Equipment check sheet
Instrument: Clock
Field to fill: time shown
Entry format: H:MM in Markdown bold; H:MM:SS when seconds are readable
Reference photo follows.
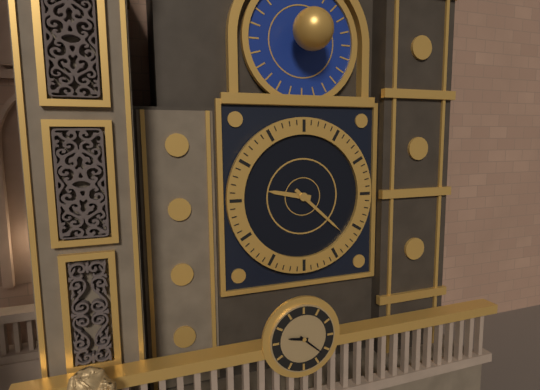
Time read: **9:22**
